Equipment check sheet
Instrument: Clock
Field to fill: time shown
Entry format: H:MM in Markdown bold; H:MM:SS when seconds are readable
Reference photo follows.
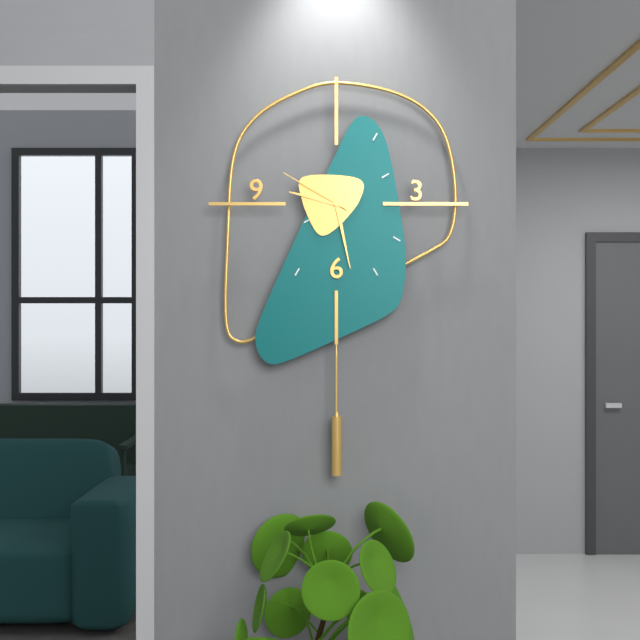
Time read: **9:28:50**
